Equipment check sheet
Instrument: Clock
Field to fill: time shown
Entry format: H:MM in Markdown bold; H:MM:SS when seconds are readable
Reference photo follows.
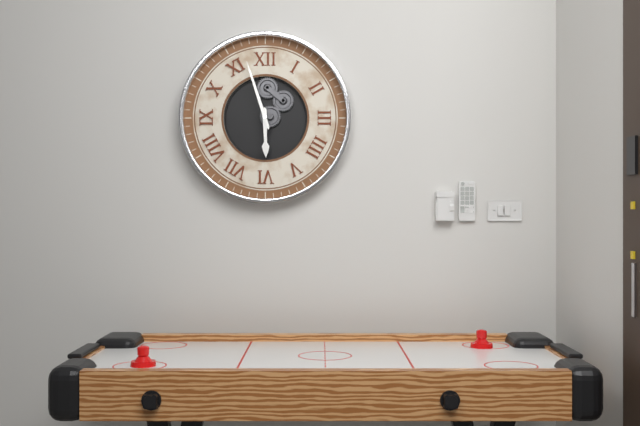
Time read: **5:57**
